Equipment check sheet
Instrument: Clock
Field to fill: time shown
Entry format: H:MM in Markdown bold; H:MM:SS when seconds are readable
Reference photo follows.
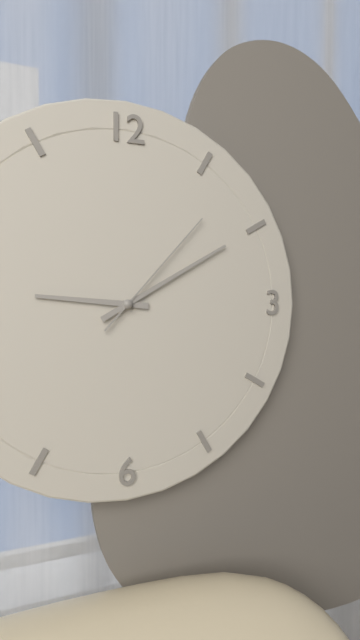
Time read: **9:10:07**
